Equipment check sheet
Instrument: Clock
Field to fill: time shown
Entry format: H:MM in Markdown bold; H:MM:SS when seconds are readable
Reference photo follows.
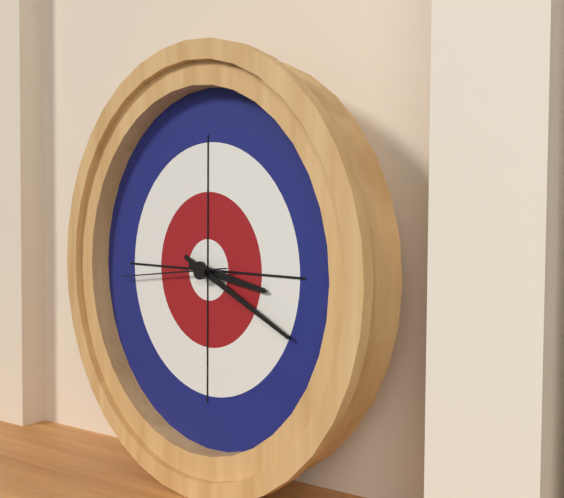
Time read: **3:19:44**
